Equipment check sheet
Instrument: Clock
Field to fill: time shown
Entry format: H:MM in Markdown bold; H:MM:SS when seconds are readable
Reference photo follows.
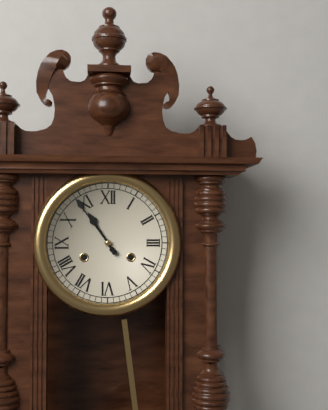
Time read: **10:54**
